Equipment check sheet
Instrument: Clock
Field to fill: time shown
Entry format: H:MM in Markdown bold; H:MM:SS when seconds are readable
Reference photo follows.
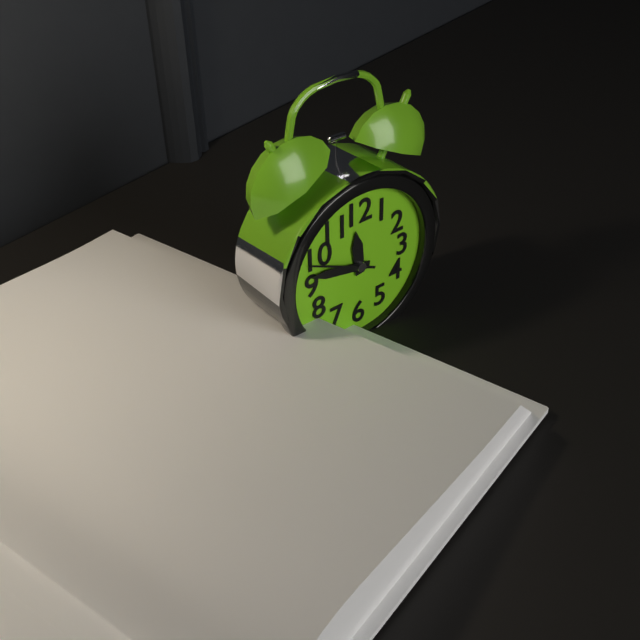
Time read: **11:47:49**
